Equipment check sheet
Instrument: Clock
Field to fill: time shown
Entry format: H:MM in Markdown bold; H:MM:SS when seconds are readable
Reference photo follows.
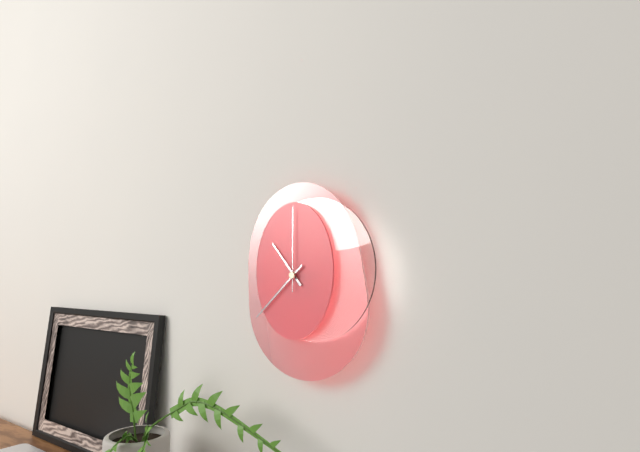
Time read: **10:38:00**
